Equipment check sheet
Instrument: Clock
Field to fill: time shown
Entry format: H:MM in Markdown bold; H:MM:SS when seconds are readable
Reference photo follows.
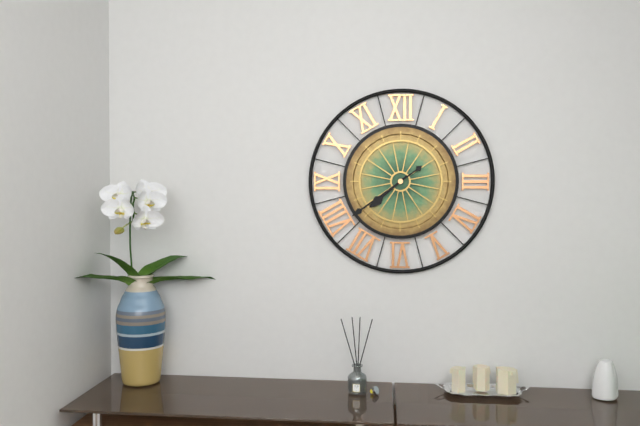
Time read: **7:39**
